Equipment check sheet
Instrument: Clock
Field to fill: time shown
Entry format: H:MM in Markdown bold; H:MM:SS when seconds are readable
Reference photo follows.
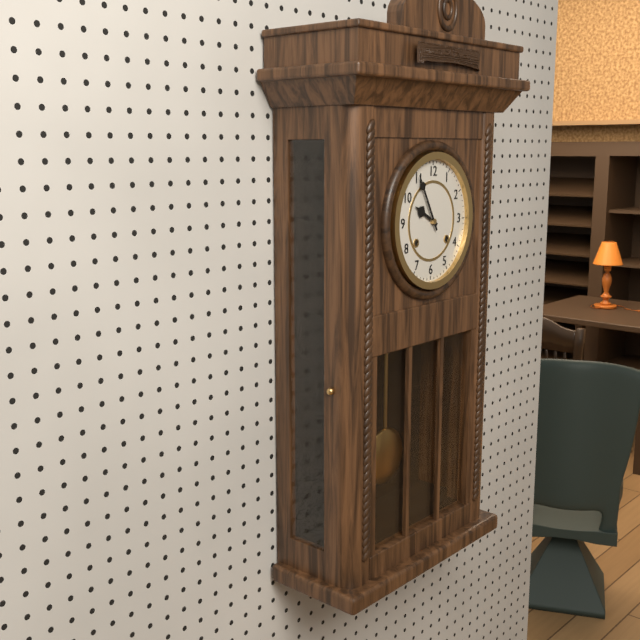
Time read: **9:55**
